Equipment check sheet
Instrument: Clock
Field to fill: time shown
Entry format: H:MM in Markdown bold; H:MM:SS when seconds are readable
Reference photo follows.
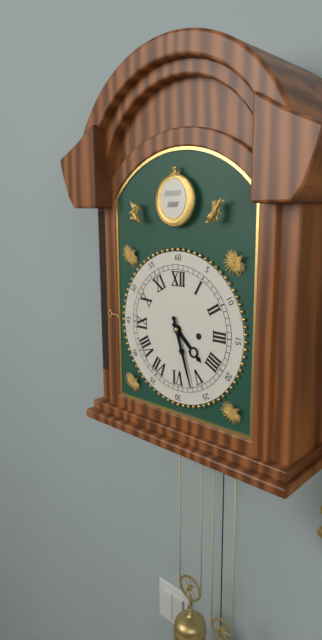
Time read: **4:27**
